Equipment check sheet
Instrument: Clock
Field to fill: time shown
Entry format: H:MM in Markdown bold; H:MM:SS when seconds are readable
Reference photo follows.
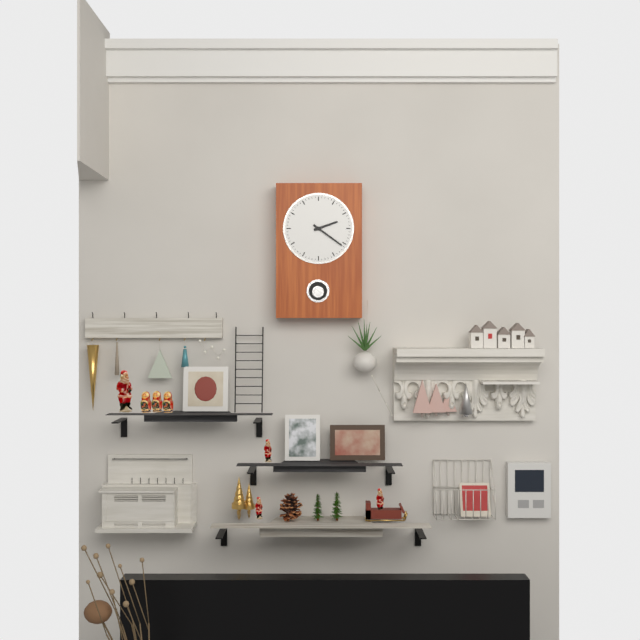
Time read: **2:21**
